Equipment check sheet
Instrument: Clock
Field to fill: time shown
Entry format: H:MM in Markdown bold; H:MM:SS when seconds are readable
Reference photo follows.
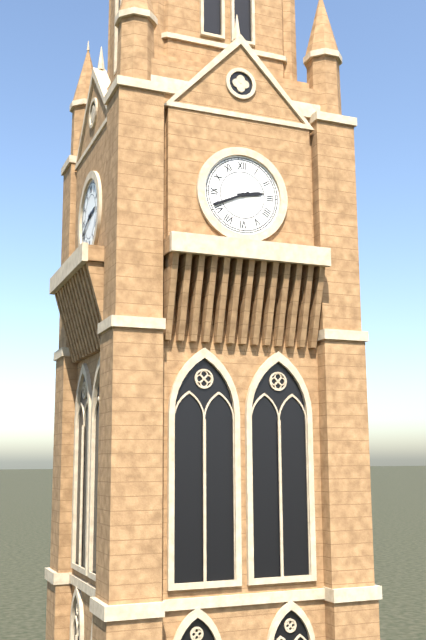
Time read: **2:41**
